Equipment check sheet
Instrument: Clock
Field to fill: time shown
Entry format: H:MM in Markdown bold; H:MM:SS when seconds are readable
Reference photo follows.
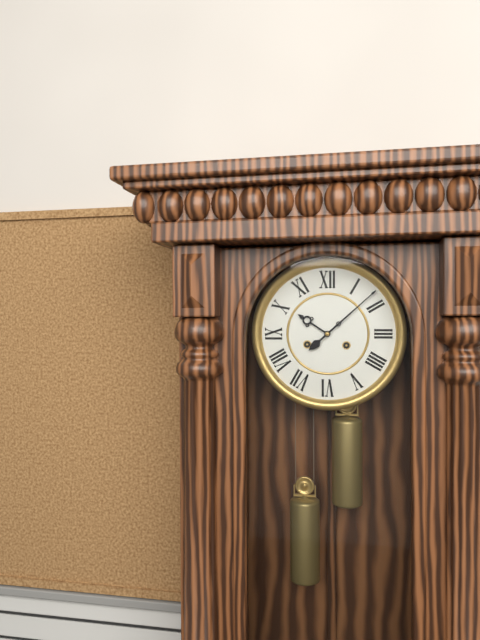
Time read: **10:08**
